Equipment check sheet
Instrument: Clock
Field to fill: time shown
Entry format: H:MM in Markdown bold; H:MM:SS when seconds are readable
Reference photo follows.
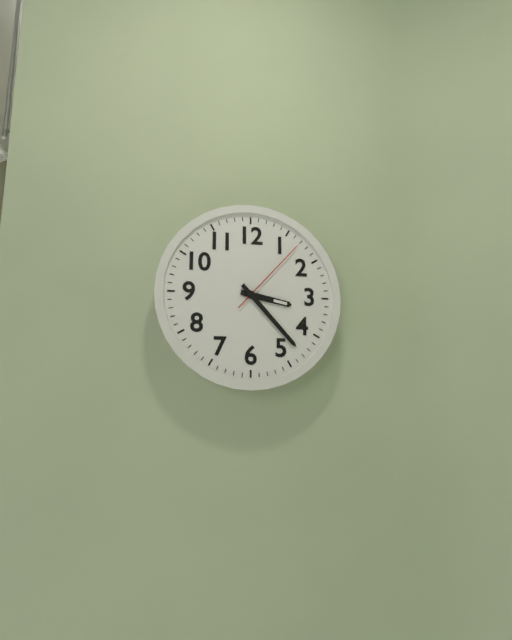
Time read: **3:23:07**
